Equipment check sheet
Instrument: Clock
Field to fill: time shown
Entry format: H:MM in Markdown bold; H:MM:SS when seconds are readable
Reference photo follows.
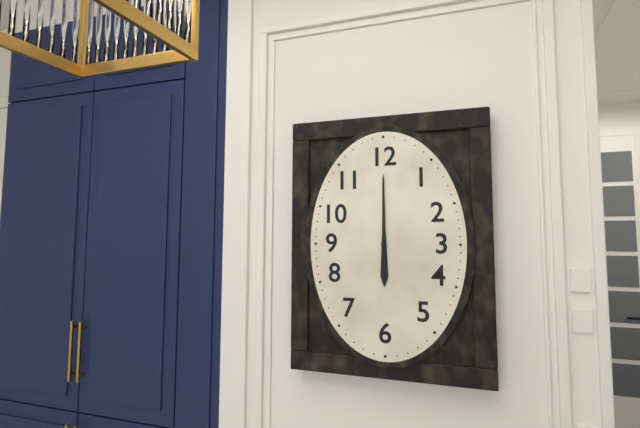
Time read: **6:00**
